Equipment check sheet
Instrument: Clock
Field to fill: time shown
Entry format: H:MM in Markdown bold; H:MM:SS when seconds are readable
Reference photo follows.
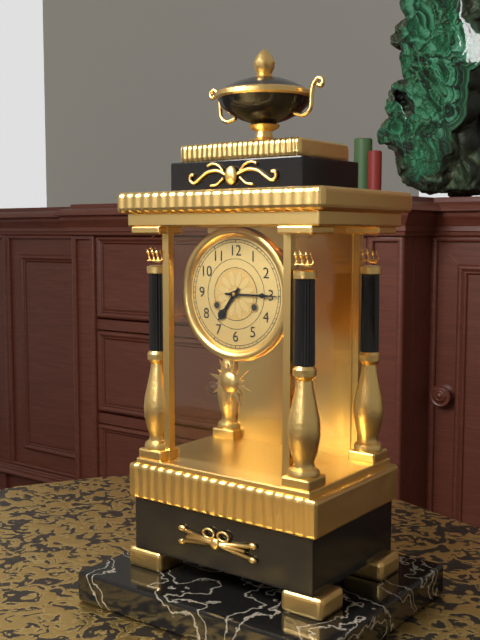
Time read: **7:15**
